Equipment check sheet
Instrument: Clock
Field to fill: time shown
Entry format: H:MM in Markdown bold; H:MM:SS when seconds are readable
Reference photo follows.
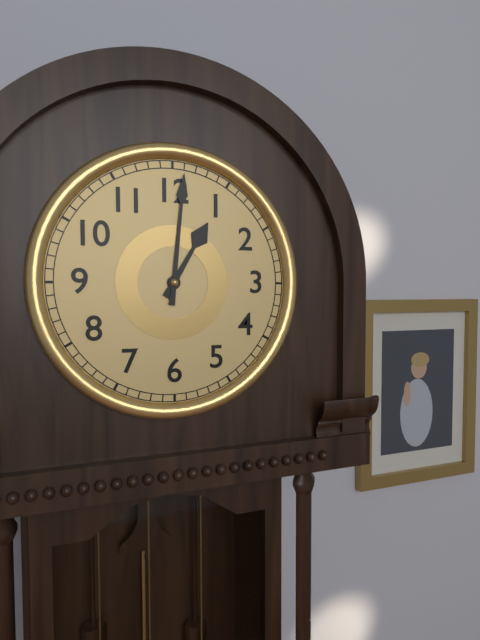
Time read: **1:01**
